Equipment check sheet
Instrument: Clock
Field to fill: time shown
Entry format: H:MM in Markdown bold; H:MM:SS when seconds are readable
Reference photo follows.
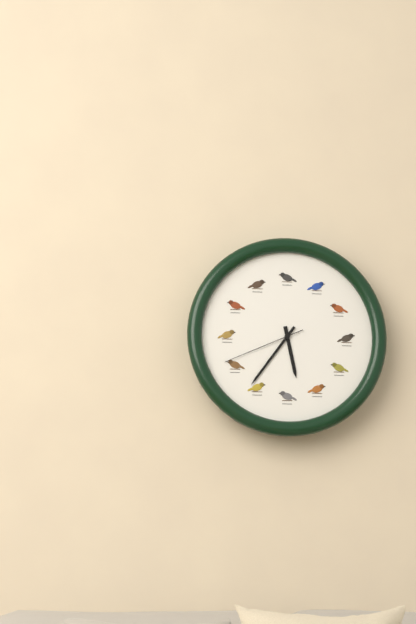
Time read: **5:36:41**
